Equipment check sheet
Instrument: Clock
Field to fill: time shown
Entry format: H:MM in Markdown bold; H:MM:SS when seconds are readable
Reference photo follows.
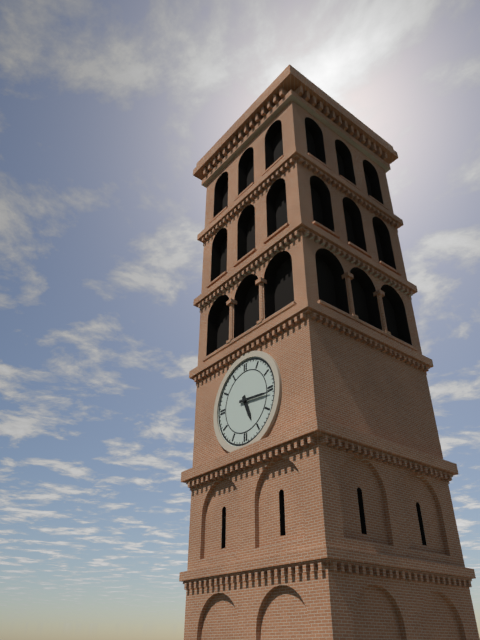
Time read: **5:16**
